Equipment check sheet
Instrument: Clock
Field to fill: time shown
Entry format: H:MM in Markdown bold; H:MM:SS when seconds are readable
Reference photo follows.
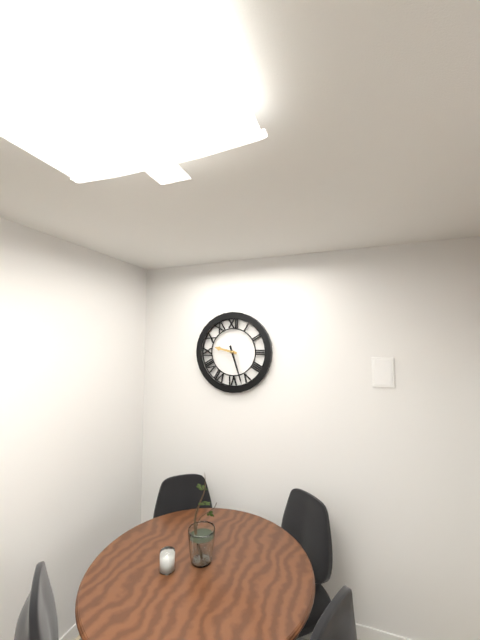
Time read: **9:27**
